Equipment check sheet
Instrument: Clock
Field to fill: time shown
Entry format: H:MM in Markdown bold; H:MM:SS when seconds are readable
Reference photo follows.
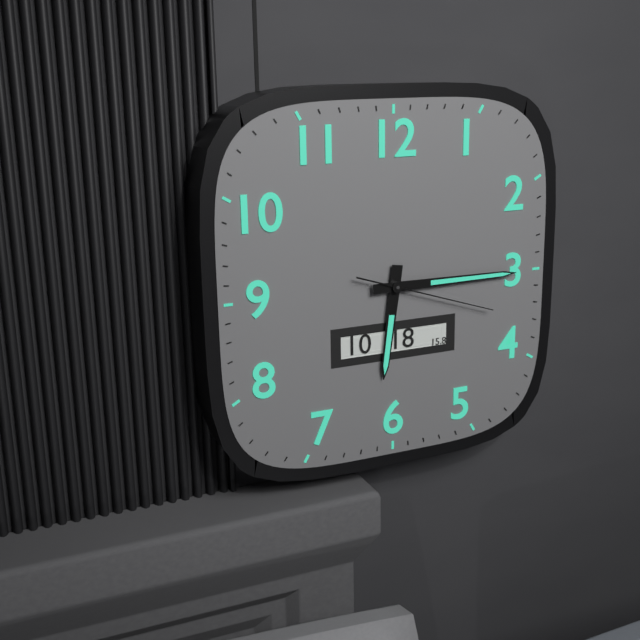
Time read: **6:15:18**
